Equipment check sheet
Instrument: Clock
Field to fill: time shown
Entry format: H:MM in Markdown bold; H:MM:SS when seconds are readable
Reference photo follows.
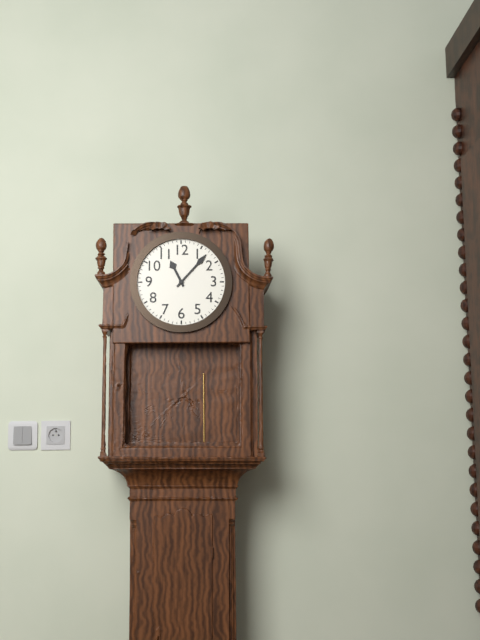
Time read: **11:07**
